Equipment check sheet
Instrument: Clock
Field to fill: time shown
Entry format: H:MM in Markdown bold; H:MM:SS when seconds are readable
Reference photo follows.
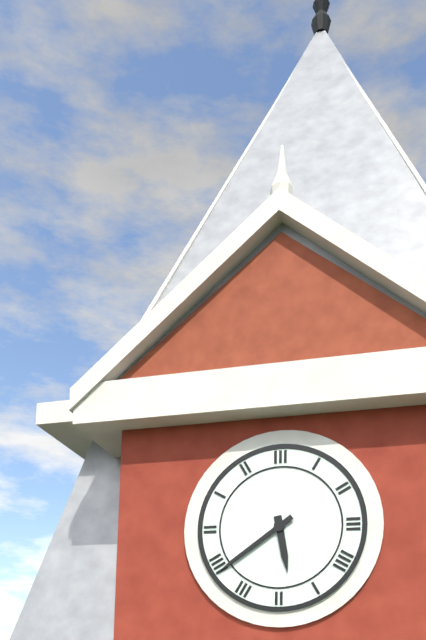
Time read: **5:39**
